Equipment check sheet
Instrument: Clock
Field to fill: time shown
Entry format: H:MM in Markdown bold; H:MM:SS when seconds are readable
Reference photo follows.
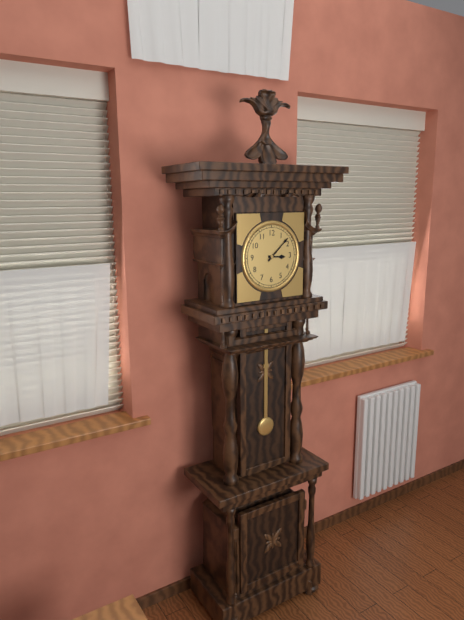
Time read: **3:08**
